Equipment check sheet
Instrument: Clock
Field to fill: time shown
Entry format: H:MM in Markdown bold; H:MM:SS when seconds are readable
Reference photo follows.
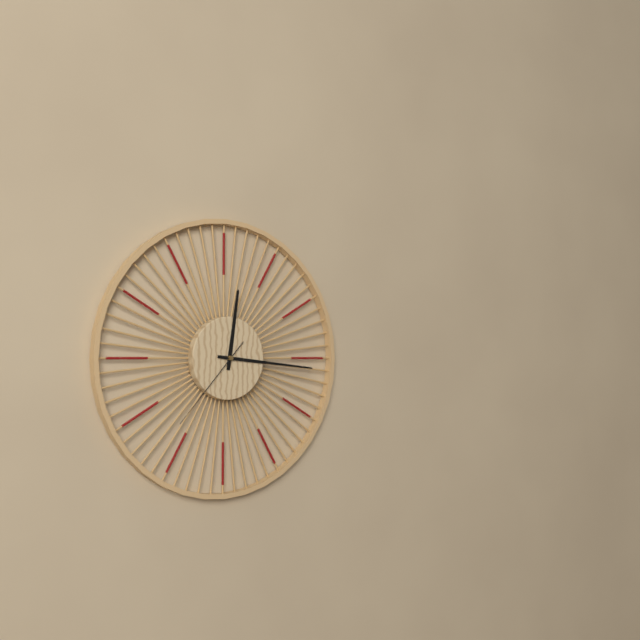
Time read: **12:16:37**
